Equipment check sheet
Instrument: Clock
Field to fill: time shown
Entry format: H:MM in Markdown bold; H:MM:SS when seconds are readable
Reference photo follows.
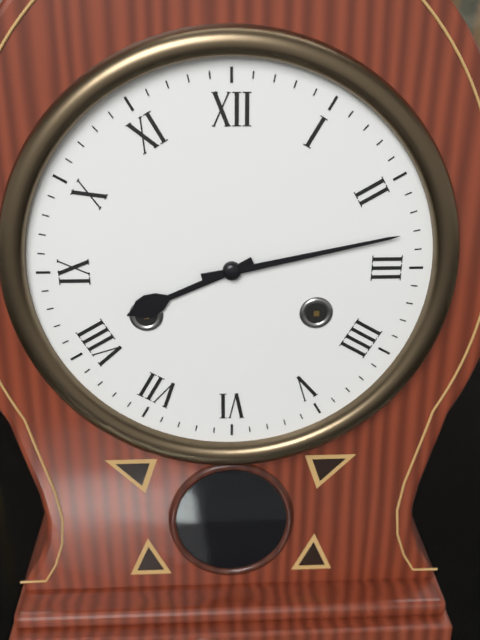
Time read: **8:13**
